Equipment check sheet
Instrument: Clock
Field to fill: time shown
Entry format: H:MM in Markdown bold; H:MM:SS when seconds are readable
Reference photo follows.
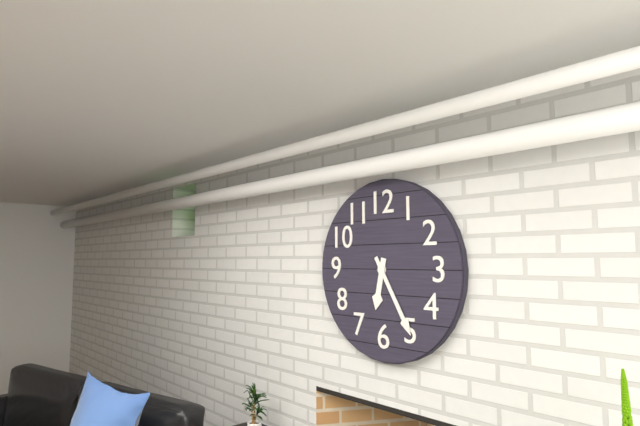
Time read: **6:25**
